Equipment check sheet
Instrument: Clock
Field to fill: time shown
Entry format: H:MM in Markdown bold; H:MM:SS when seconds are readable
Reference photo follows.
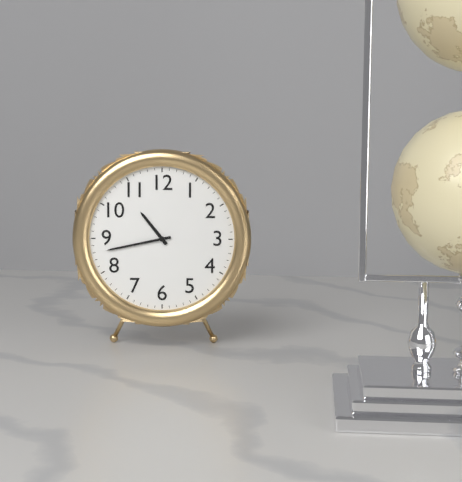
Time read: **10:43**
